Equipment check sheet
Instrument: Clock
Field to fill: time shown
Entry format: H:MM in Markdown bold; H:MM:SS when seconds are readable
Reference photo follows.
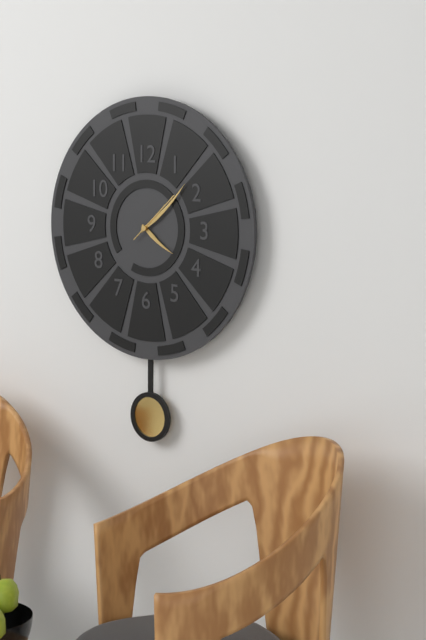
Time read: **4:08:08**
